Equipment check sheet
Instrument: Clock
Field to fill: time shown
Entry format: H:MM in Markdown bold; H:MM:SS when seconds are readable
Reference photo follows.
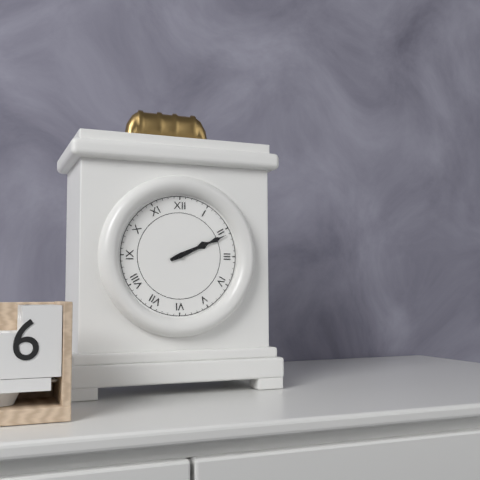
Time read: **2:11**
